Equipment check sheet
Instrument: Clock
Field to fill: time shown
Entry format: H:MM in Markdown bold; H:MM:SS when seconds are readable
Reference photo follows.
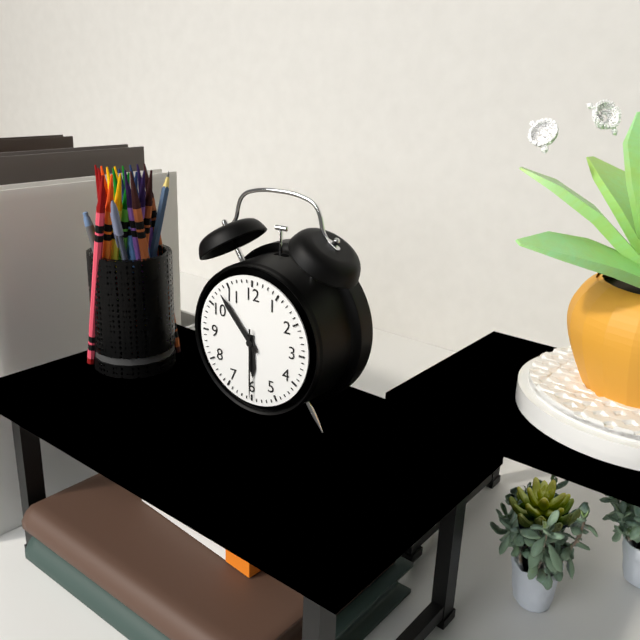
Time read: **5:53:30**
